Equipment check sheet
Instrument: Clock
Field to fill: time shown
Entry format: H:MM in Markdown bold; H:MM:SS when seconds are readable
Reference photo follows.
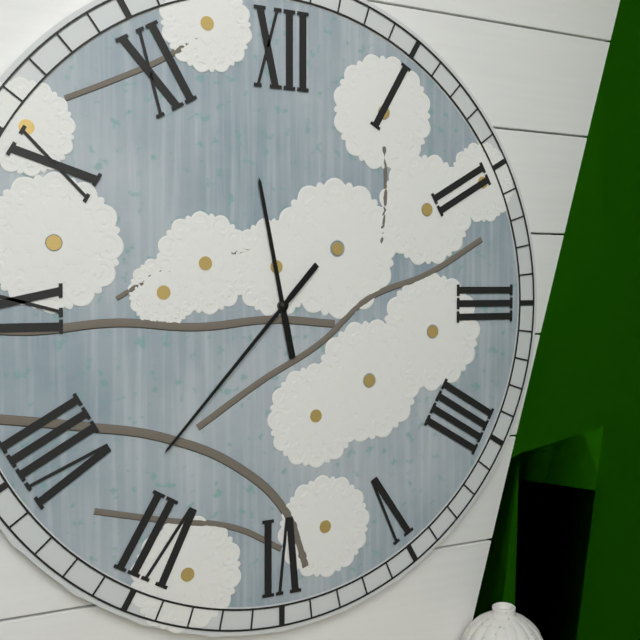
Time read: **11:37**
